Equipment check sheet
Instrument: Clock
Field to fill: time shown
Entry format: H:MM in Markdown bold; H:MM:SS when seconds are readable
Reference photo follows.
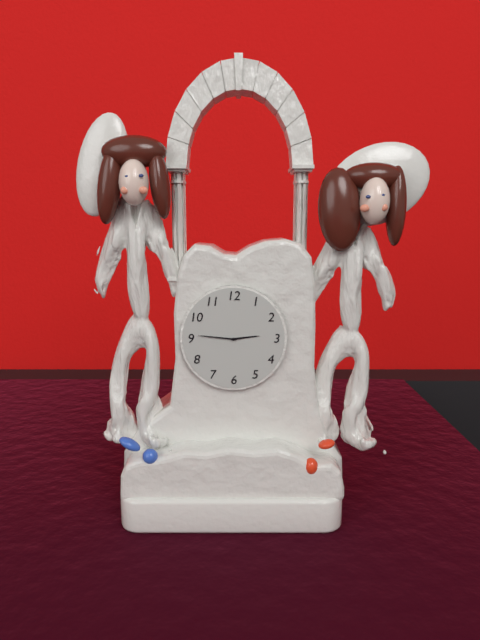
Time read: **2:46**
